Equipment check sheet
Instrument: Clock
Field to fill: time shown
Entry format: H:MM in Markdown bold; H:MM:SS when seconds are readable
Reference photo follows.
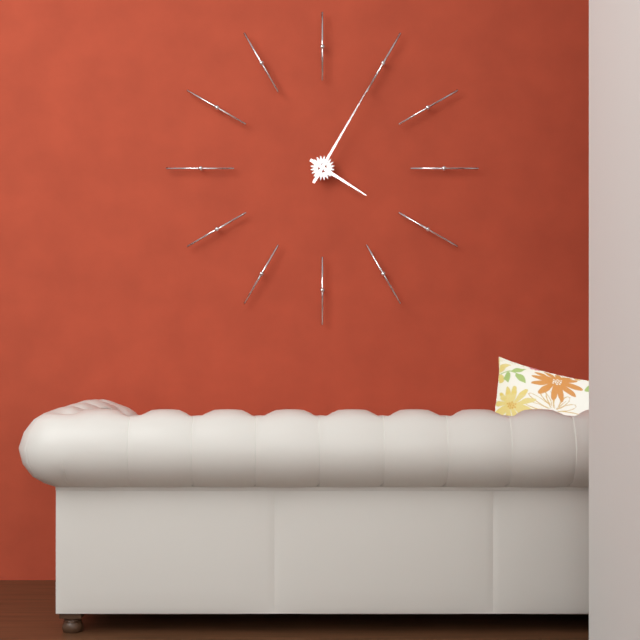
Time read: **4:05**
